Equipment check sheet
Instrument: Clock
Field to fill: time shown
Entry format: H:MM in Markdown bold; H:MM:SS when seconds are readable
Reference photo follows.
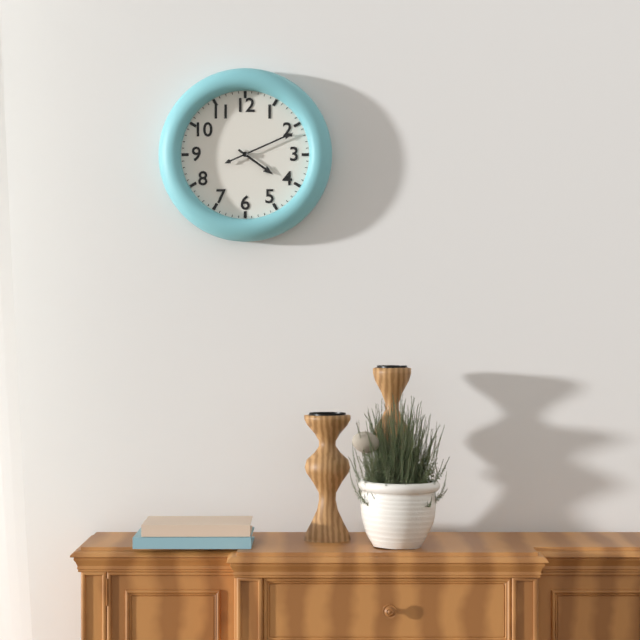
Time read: **4:11**
